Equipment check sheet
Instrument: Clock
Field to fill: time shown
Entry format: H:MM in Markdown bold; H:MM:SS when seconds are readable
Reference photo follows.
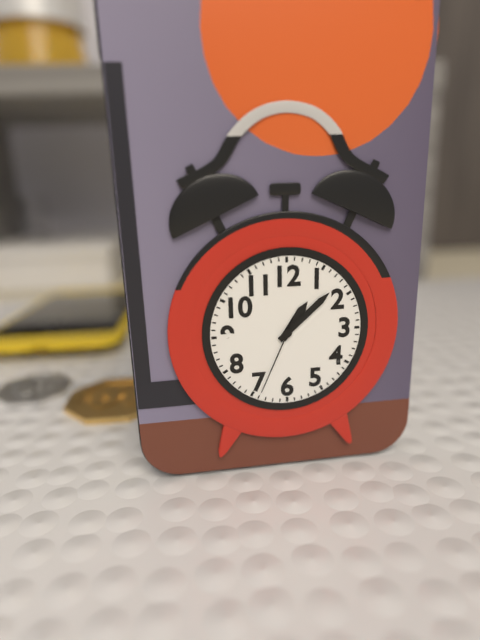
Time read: **1:08:34**
